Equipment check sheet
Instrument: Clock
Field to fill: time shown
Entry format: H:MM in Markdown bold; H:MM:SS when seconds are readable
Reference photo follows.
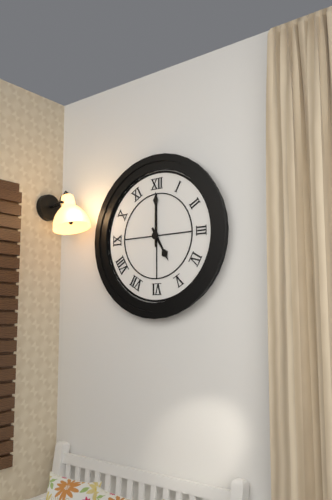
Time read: **5:00**
